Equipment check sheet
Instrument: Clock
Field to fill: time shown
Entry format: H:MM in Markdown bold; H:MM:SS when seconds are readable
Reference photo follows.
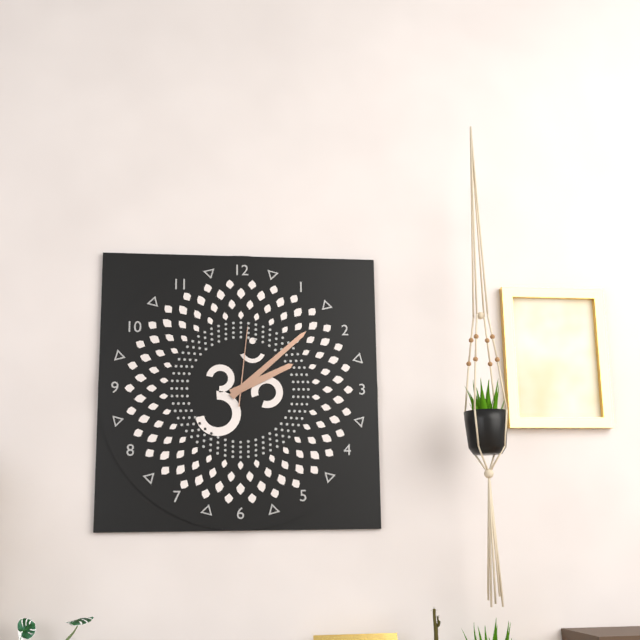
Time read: **2:08:01**
